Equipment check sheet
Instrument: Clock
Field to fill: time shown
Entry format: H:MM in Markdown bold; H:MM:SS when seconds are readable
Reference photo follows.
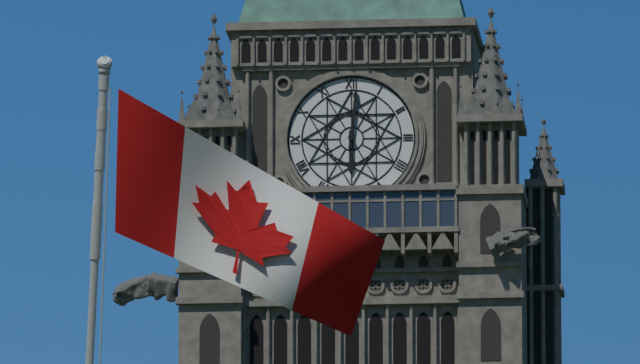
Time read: **6:01**
